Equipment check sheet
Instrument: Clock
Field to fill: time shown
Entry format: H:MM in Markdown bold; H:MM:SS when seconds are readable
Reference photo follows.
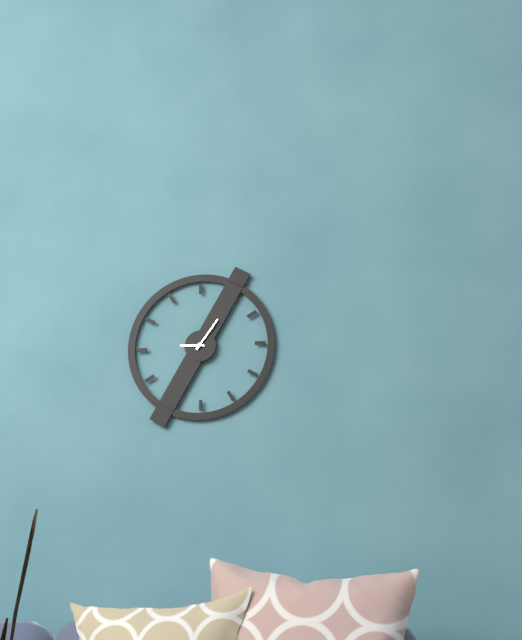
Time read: **9:06**
